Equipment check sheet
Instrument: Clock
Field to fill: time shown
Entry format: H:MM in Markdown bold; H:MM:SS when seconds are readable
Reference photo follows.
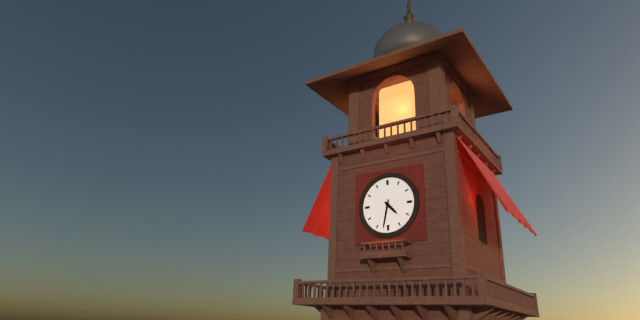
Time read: **4:32**
